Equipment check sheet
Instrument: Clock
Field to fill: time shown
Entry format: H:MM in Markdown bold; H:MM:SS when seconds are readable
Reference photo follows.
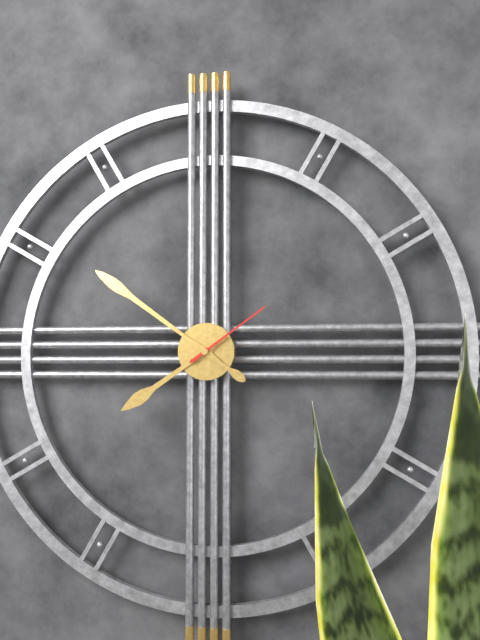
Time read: **7:51:09**
